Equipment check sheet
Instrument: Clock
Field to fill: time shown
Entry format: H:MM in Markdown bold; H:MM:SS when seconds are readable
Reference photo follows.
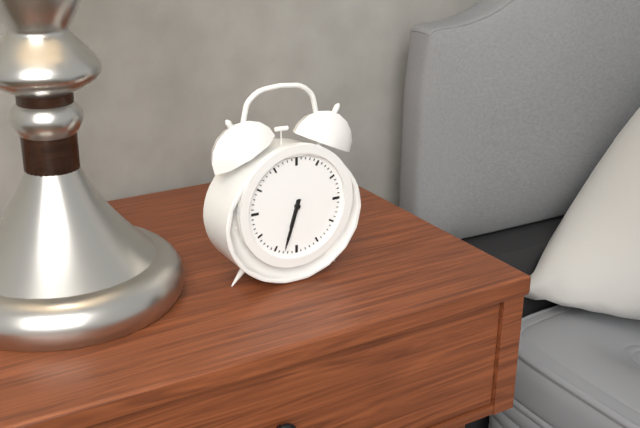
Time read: **6:33**
